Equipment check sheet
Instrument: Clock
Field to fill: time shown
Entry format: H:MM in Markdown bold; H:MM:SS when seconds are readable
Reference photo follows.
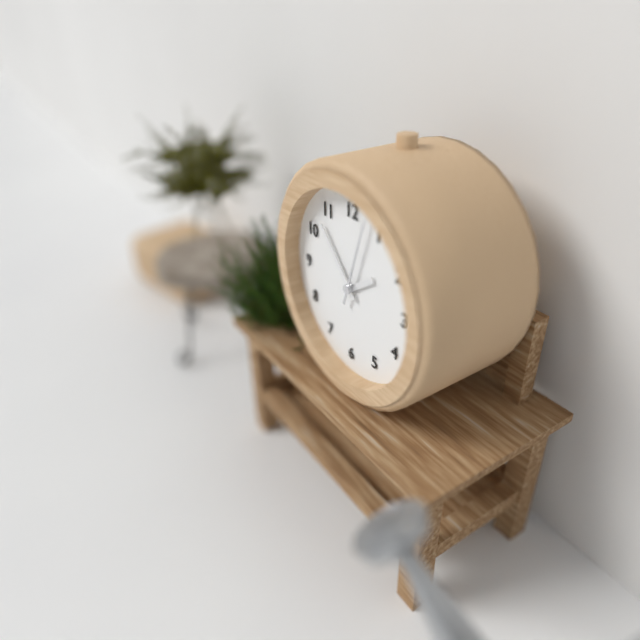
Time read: **1:53:03**
